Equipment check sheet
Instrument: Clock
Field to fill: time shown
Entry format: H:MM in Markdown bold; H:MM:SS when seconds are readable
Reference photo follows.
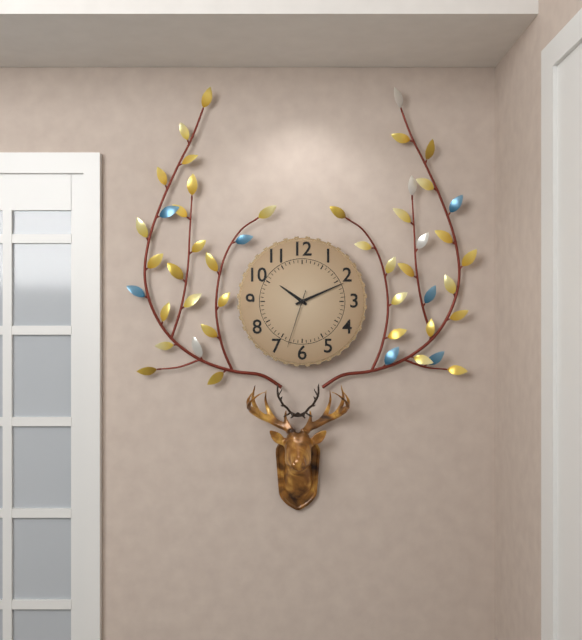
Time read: **10:11:33**
